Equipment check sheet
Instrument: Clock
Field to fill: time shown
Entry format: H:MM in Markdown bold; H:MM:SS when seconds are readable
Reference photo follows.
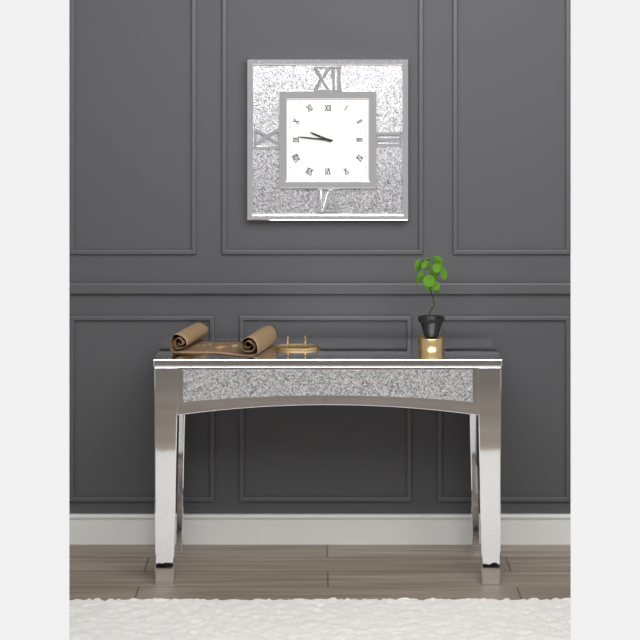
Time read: **9:46**
